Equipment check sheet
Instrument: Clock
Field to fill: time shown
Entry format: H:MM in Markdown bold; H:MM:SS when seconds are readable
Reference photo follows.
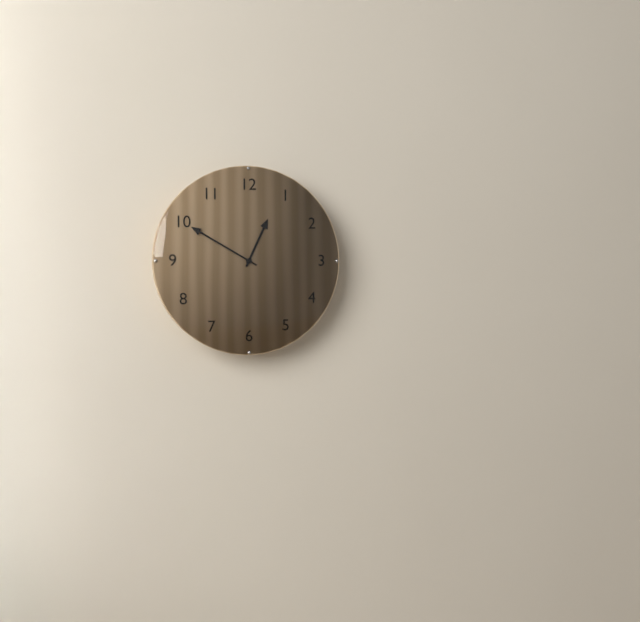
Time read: **12:50**
